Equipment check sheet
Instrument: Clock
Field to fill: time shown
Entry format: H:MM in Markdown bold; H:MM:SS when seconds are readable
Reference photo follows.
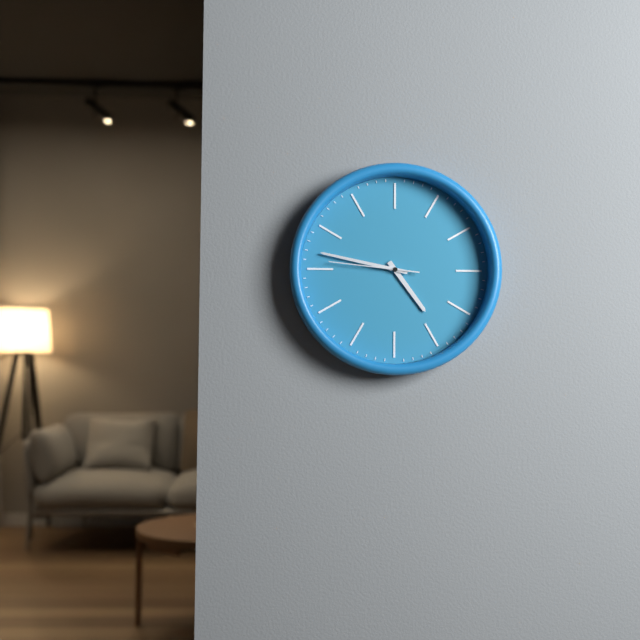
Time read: **4:47:46**
